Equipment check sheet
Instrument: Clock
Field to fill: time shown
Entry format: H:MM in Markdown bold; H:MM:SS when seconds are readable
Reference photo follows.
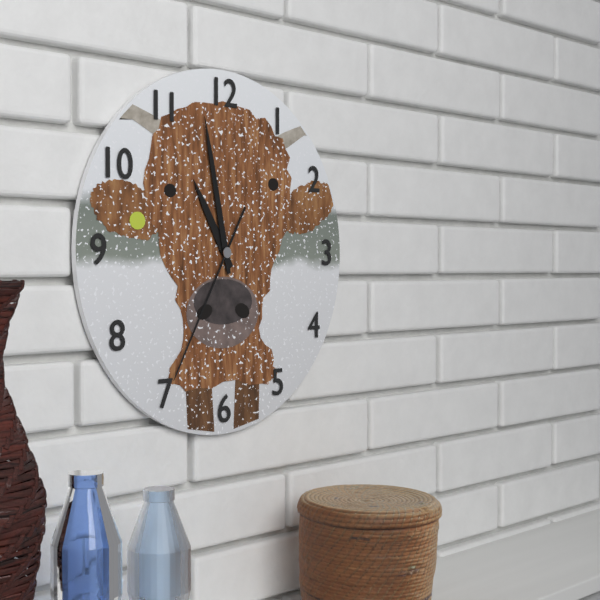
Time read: **10:58:35**
